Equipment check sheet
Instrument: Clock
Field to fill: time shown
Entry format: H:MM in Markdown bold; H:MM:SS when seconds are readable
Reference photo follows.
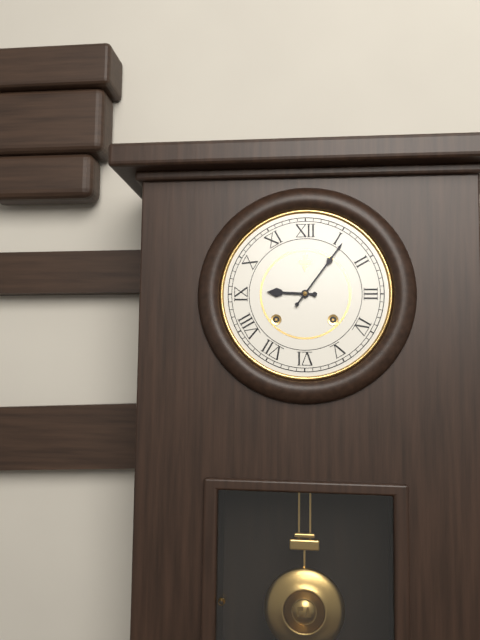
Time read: **9:06**
